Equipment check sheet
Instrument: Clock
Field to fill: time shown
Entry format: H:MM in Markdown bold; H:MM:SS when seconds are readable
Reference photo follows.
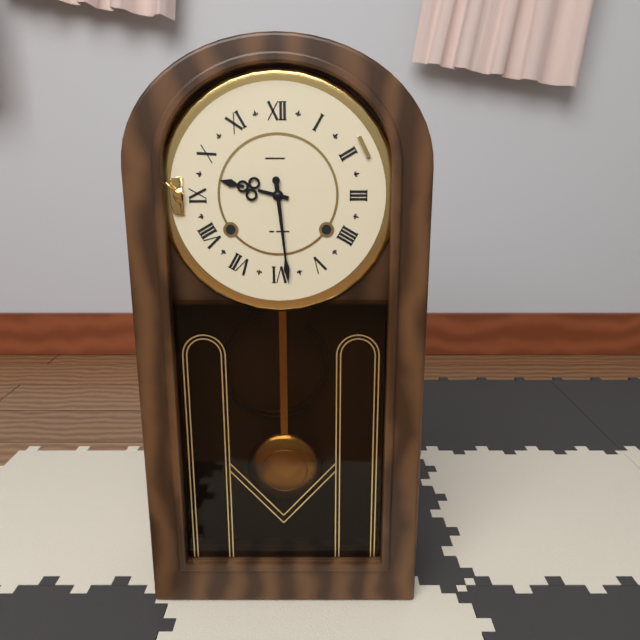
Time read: **9:29**
